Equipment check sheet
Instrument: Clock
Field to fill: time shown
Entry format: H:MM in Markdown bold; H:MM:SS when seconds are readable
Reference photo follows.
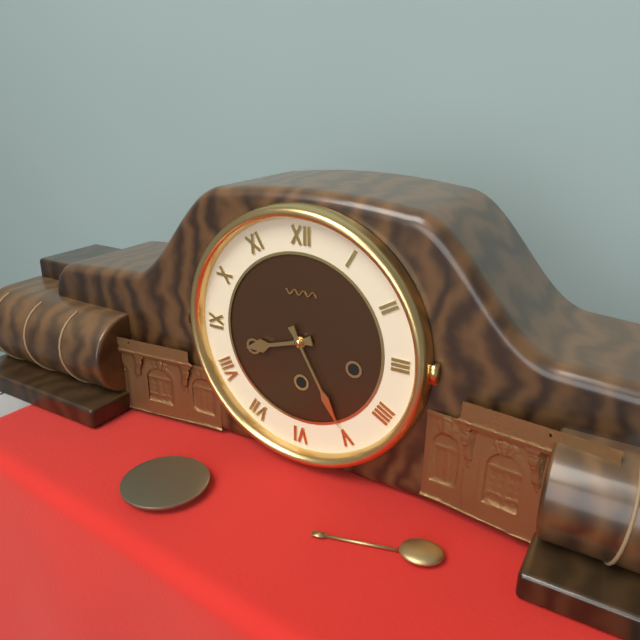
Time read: **8:25**
